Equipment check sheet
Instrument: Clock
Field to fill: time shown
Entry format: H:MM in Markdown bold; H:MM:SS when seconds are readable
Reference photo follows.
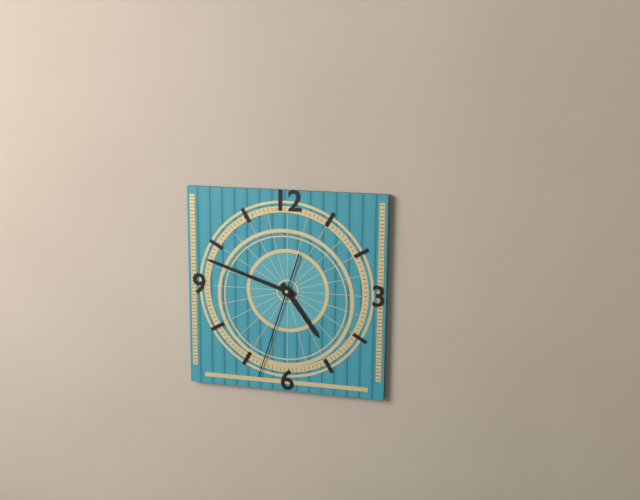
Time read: **4:48:33**
